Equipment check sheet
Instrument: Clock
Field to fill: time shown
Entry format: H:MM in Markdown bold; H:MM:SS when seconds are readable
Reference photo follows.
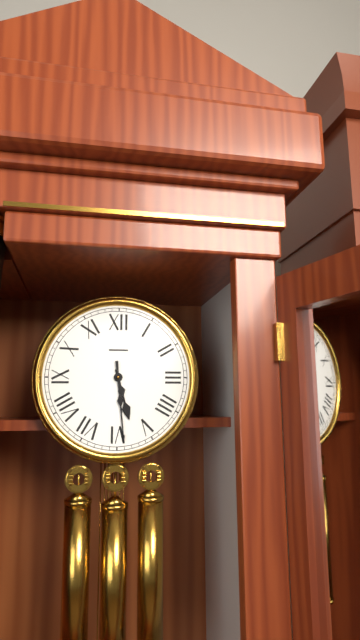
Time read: **5:29**
